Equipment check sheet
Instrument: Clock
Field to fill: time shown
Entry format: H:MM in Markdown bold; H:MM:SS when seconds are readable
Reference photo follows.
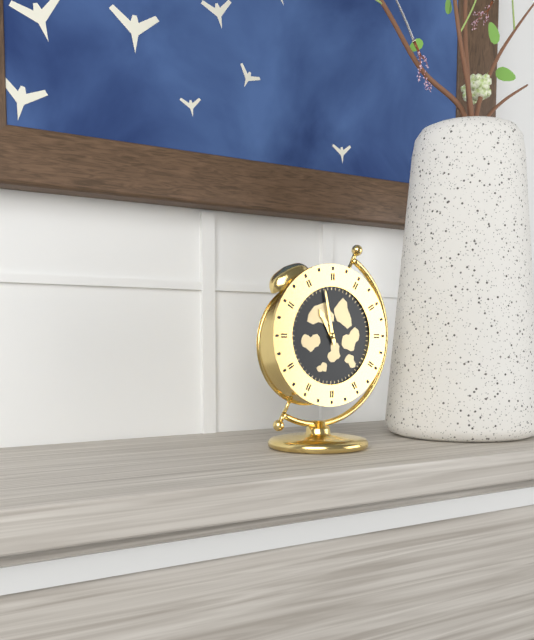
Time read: **10:58**
